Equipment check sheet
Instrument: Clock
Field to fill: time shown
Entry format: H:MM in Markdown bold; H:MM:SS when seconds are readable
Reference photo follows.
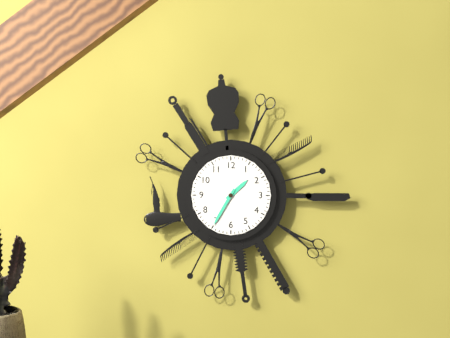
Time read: **1:35**
